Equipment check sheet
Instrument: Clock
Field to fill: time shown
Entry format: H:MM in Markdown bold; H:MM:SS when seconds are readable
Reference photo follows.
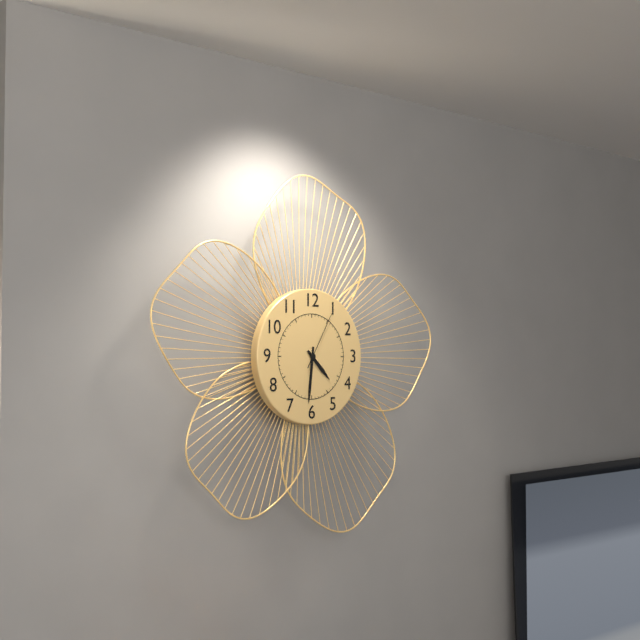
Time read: **4:31:05**
